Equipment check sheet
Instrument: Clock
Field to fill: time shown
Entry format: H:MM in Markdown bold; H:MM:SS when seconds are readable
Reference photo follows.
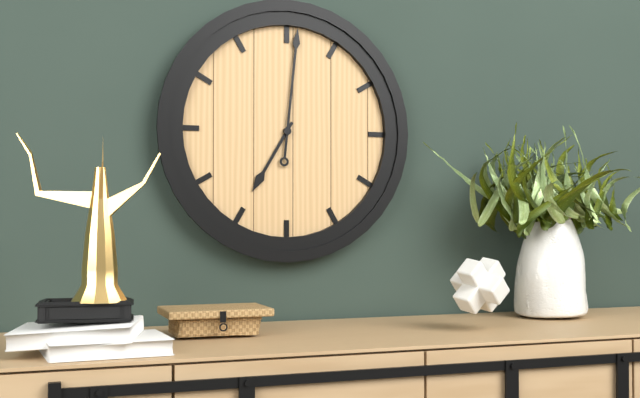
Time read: **7:01**
